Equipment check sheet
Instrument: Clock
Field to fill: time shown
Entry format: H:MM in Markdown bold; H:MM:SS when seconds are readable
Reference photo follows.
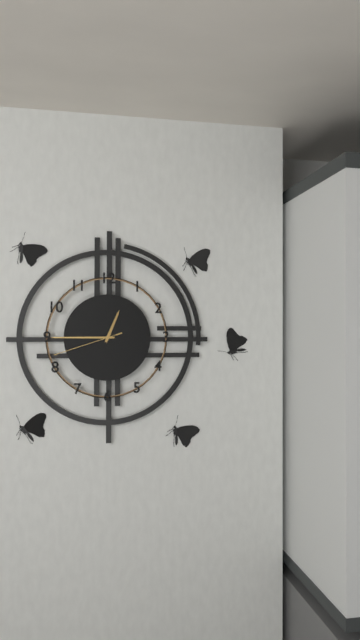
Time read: **12:45:42**
